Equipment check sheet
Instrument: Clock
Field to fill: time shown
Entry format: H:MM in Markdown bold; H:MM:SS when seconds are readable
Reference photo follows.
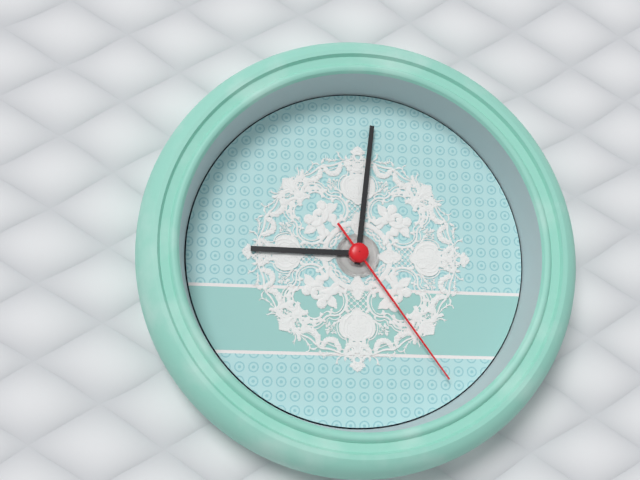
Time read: **9:01:24**
